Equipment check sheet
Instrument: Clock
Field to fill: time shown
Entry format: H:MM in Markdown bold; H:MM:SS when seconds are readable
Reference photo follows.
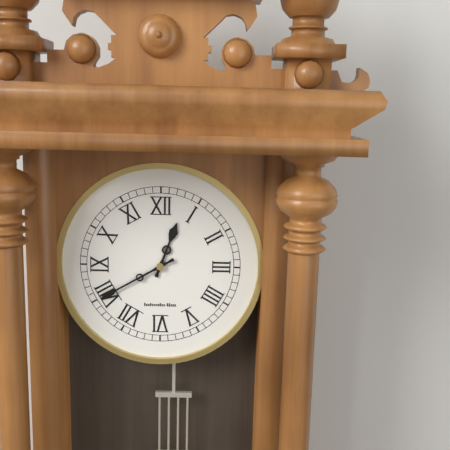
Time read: **12:40**
